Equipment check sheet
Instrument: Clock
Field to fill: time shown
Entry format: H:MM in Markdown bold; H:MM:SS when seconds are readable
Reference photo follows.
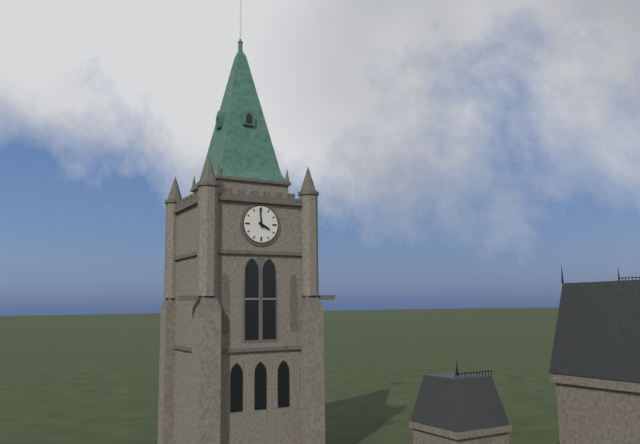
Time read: **3:59**
